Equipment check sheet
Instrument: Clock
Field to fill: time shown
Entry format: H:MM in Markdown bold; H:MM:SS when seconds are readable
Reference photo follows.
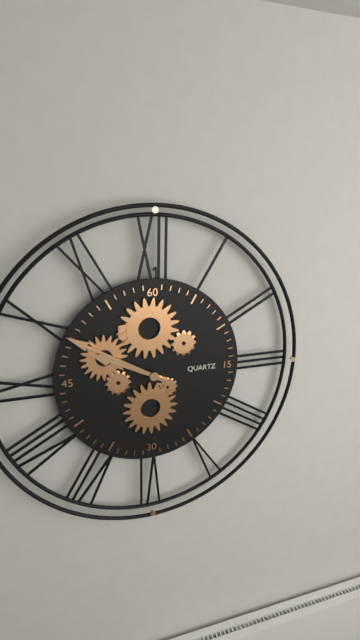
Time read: **9:50**
